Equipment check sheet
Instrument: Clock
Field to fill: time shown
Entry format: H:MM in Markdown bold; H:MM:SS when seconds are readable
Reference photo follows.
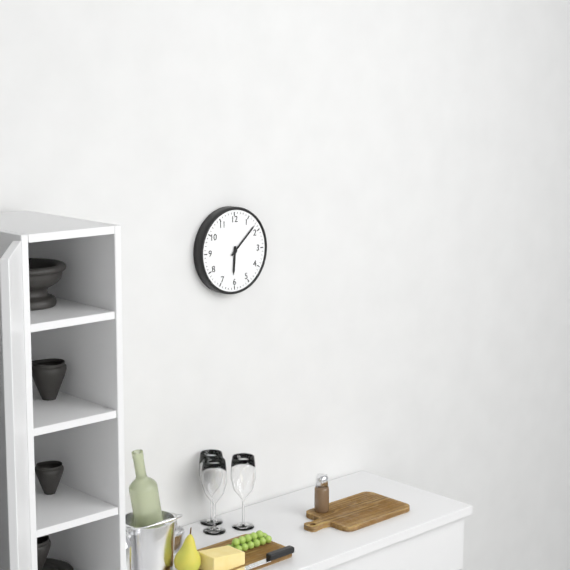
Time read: **6:08**
